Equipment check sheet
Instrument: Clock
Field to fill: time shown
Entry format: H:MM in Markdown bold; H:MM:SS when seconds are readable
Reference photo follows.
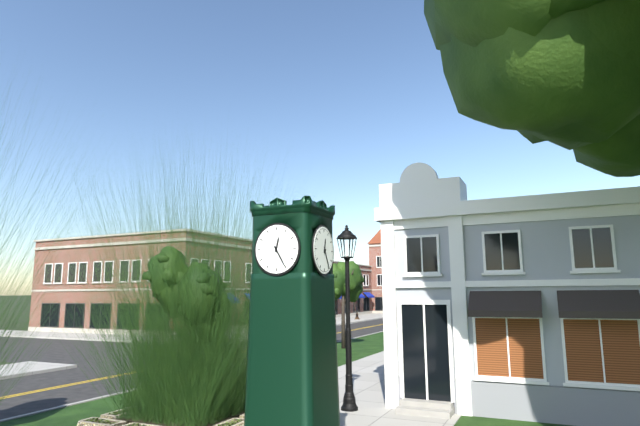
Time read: **12:25**
